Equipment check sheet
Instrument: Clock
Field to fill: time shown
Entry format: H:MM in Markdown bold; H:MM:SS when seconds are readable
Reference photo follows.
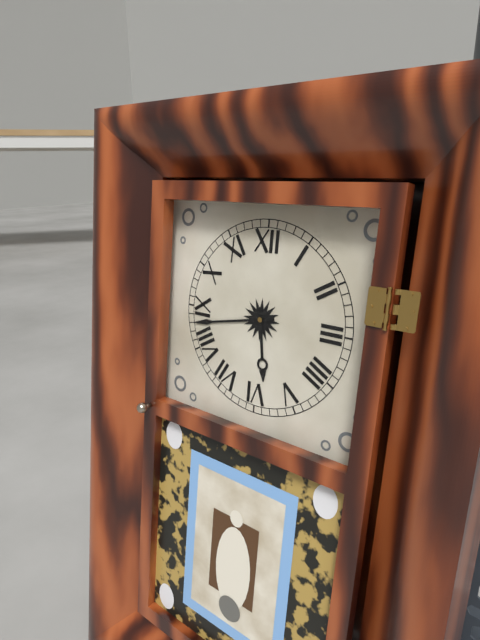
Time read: **5:43**
